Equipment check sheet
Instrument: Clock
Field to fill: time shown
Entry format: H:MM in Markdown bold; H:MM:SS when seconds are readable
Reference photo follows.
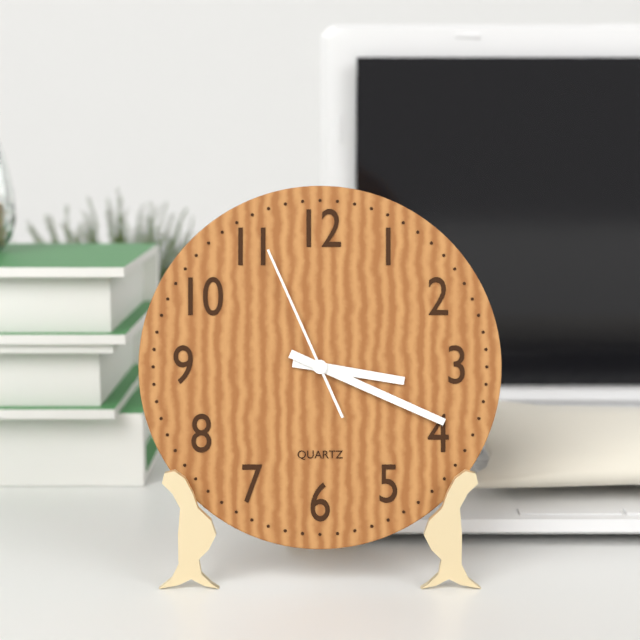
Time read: **3:19:56**
